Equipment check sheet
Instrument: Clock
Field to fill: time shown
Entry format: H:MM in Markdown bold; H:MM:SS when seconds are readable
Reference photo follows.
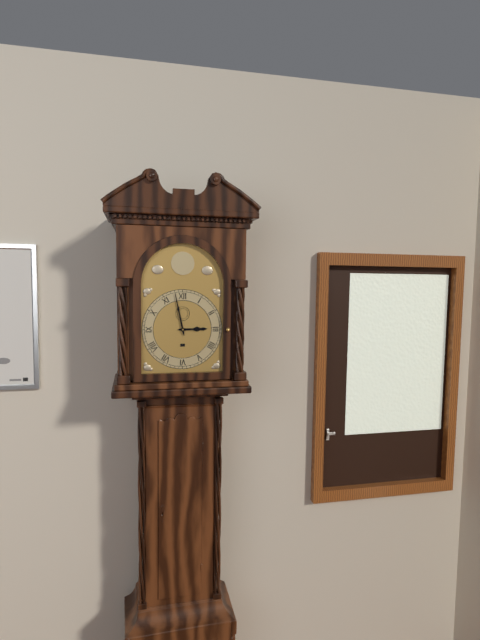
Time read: **2:58**
